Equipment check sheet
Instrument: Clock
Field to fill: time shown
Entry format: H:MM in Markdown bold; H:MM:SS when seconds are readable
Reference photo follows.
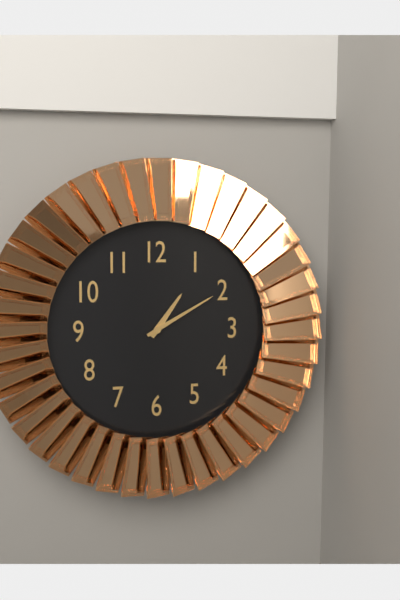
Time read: **1:10**
